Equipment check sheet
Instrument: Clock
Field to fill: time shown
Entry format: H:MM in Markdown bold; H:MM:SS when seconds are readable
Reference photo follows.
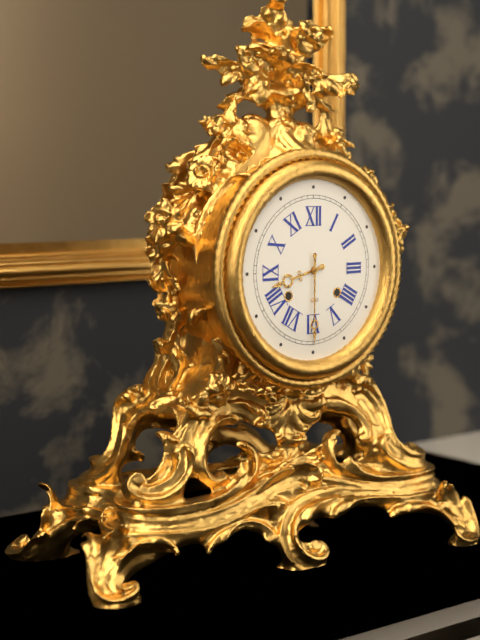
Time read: **8:30**
